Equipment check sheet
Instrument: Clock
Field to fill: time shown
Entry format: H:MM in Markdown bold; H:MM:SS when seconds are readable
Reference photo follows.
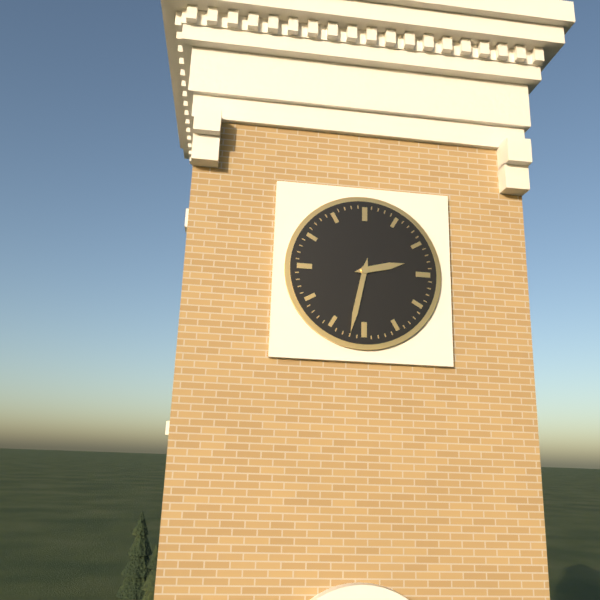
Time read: **2:32**
